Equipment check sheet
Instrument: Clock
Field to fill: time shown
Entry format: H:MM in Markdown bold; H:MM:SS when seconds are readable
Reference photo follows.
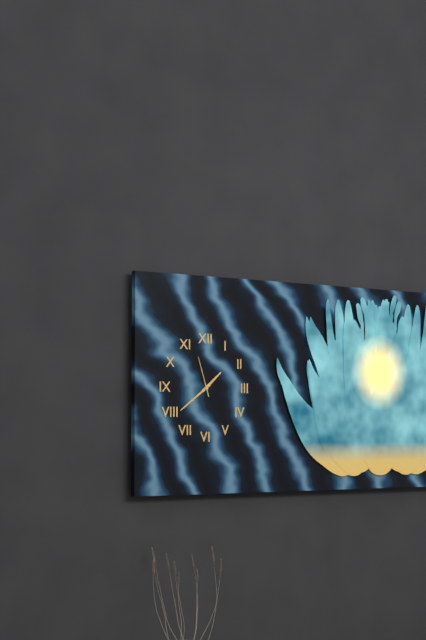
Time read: **1:39**
